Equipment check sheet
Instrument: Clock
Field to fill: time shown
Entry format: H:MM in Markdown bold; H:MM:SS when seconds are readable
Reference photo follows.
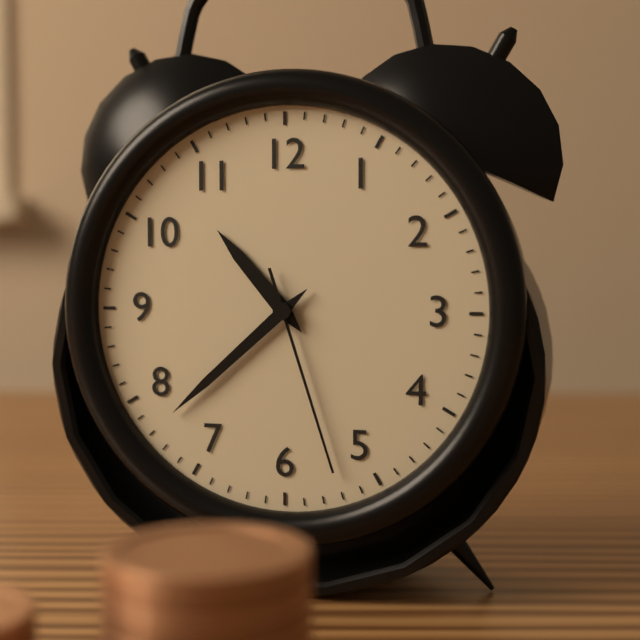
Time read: **10:38:27**
